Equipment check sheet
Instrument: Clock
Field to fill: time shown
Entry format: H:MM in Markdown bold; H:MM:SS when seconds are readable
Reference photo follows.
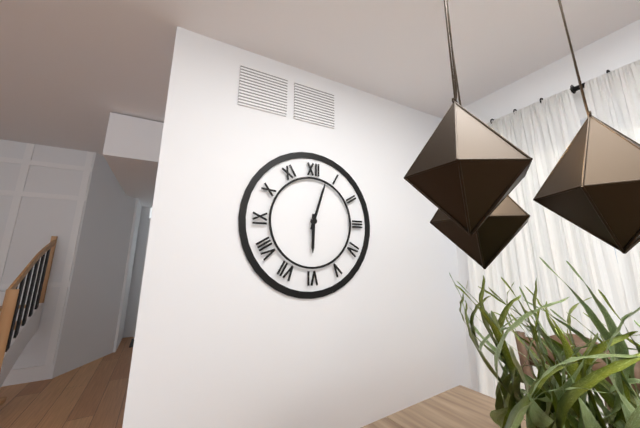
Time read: **6:03**
